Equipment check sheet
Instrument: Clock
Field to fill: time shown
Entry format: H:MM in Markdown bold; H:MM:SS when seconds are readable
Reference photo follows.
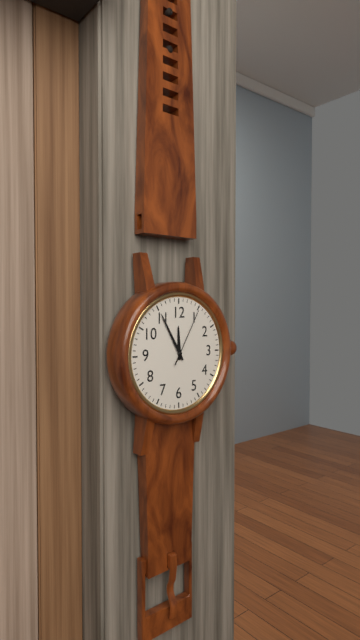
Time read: **11:55:05**
